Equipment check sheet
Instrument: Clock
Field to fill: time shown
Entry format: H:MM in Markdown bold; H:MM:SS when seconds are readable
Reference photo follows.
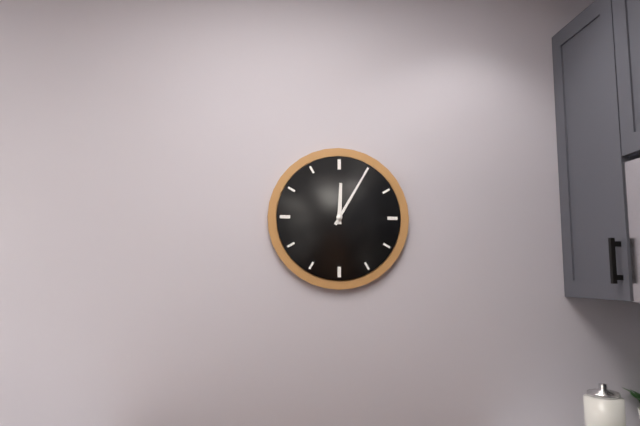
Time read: **12:05**
